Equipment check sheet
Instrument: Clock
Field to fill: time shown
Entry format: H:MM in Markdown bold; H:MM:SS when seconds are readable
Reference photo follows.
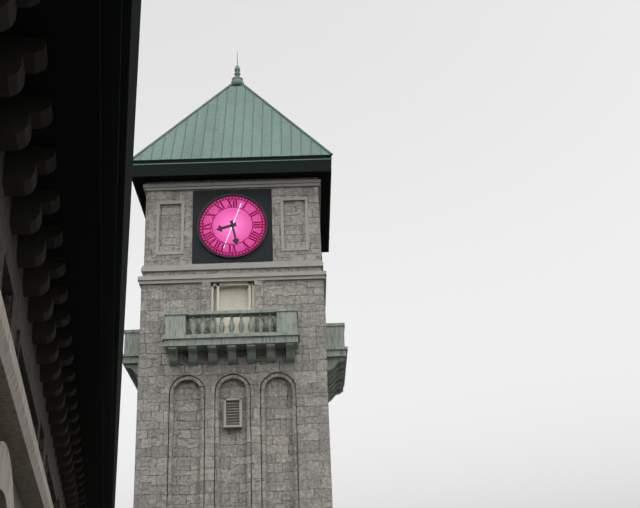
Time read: **8:28**
